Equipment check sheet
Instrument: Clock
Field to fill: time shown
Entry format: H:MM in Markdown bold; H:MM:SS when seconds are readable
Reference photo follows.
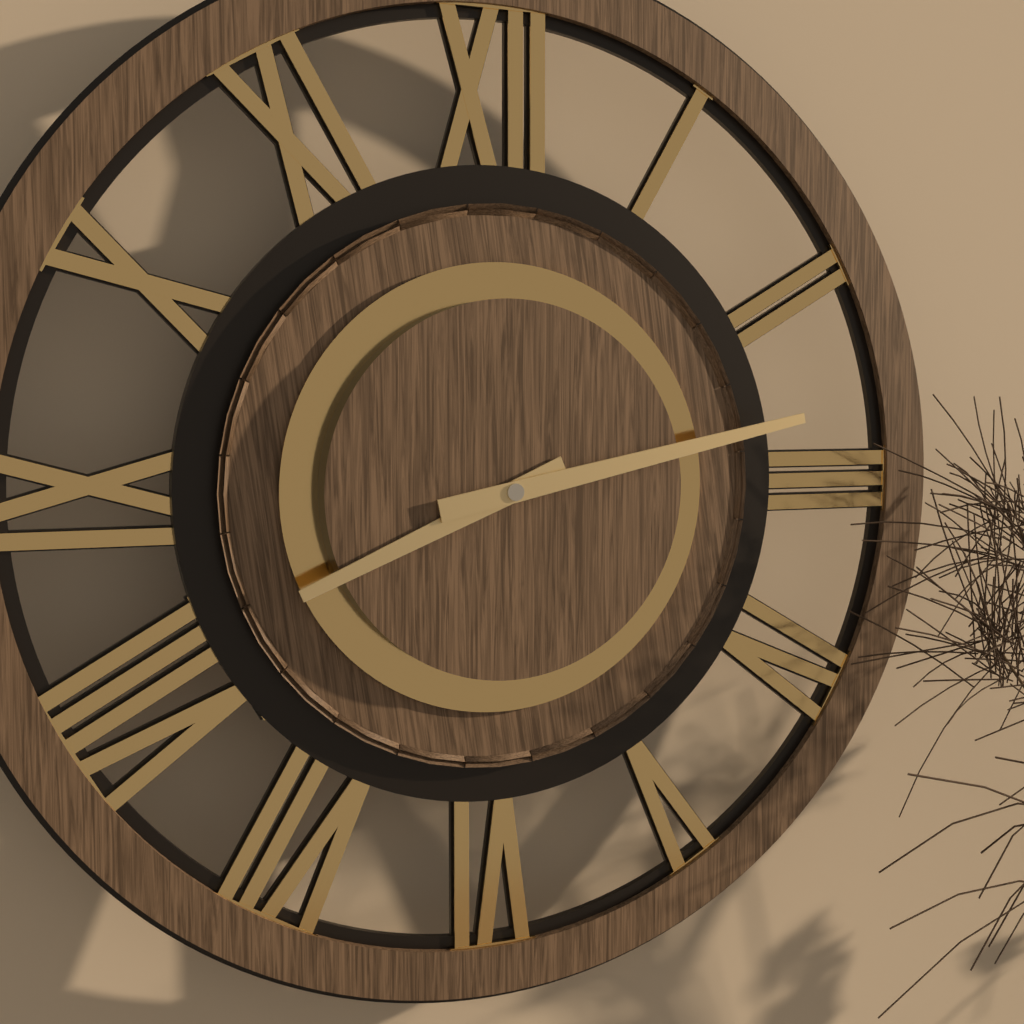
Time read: **8:13**
